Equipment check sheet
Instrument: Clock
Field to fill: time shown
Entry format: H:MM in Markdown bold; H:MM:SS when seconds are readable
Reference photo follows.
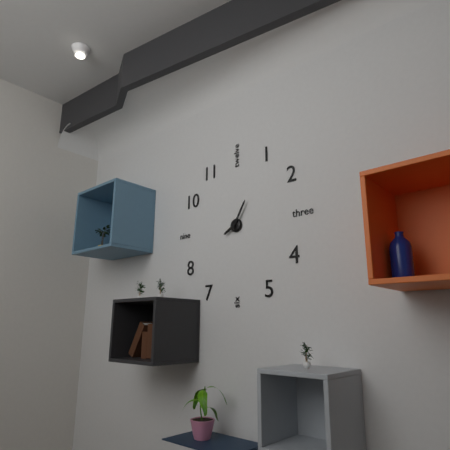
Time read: **8:05**
